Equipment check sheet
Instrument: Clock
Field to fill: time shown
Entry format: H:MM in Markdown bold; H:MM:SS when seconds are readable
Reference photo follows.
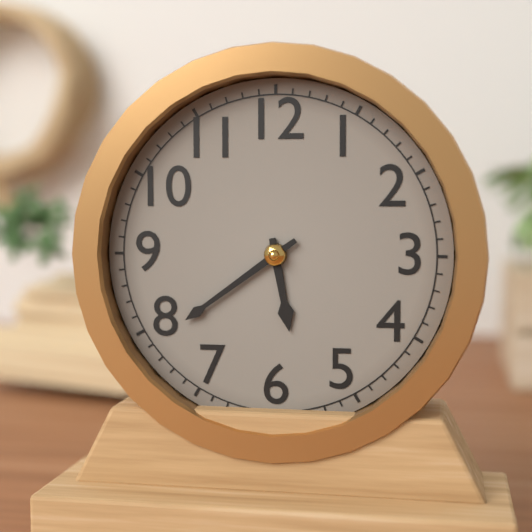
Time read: **5:39**
